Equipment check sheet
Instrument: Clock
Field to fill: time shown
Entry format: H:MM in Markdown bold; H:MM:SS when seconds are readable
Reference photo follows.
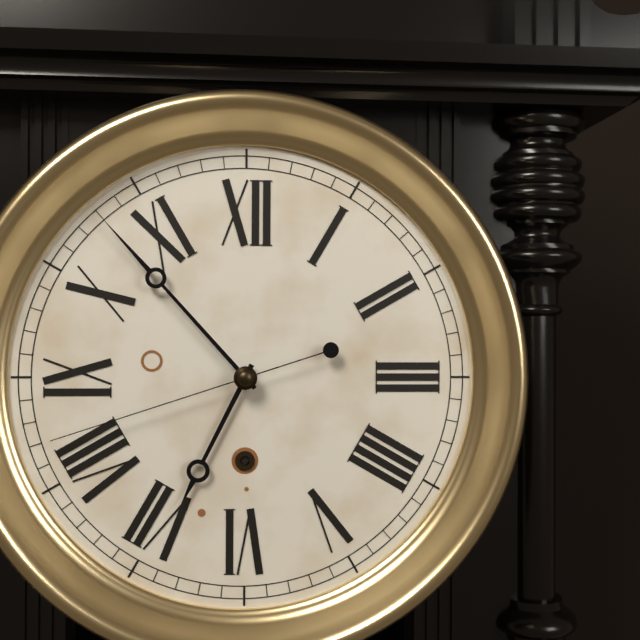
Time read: **6:53:42**
